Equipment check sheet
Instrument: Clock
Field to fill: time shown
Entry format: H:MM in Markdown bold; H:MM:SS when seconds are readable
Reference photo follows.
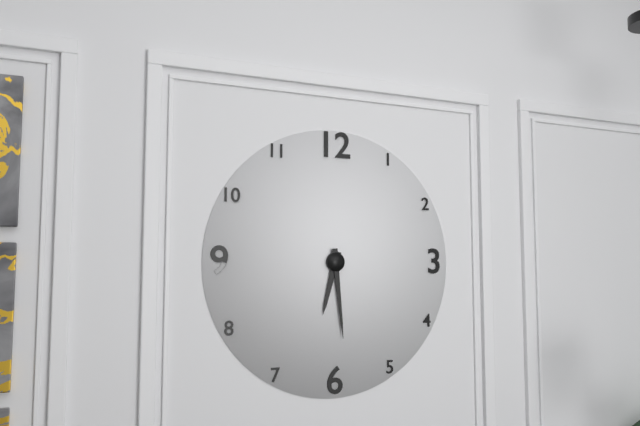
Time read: **6:29**
